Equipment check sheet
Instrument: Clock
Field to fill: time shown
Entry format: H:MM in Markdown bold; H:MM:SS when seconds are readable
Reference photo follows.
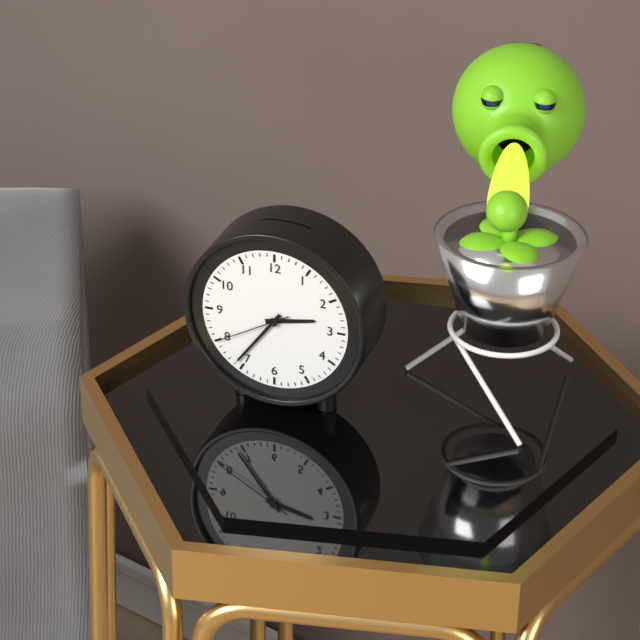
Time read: **2:36:40**
